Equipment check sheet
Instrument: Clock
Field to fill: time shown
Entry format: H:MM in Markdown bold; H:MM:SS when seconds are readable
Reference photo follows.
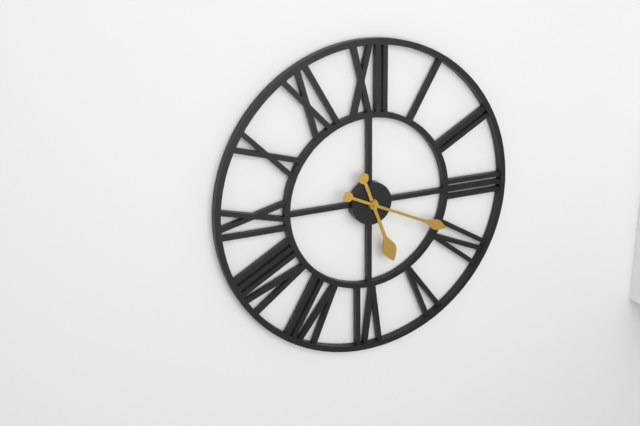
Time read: **5:19**
